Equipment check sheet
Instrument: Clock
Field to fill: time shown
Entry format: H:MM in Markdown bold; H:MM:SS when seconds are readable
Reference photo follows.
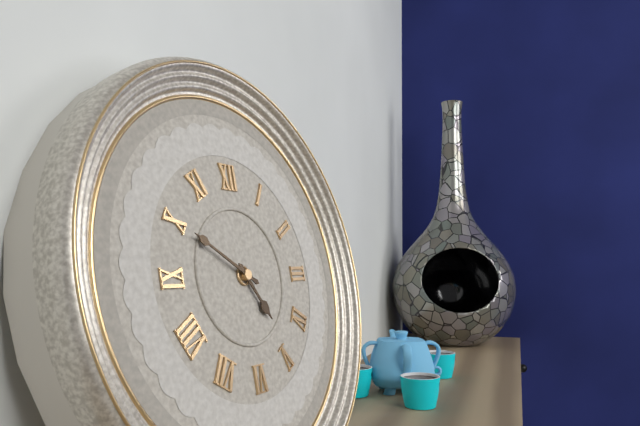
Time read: **4:50**
